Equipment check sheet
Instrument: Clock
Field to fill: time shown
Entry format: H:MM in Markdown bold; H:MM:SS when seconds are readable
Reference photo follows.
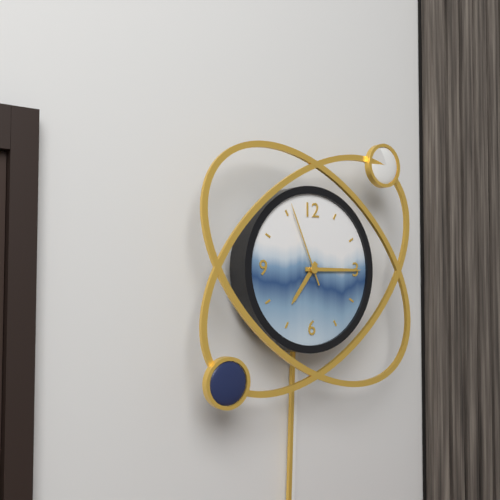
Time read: **7:15:56**
